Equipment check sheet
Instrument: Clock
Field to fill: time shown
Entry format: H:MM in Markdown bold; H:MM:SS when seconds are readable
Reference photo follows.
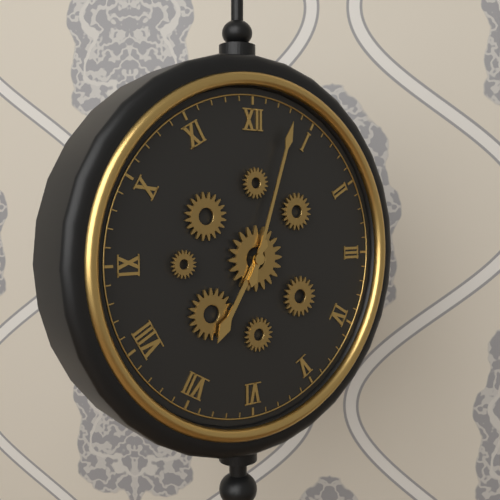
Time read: **7:03**
